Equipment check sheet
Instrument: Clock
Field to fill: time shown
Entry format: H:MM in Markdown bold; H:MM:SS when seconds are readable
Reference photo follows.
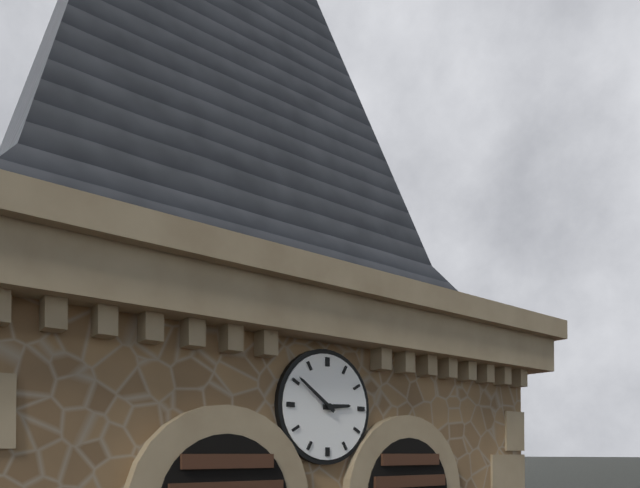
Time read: **2:51**
